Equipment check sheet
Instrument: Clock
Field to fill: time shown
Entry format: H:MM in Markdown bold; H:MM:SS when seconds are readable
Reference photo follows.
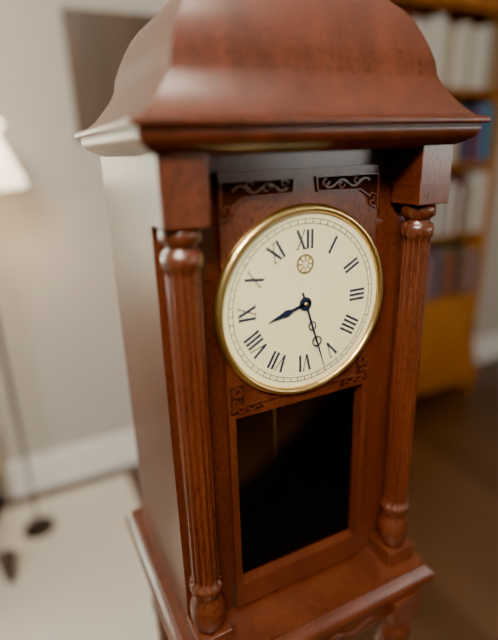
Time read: **8:27**
